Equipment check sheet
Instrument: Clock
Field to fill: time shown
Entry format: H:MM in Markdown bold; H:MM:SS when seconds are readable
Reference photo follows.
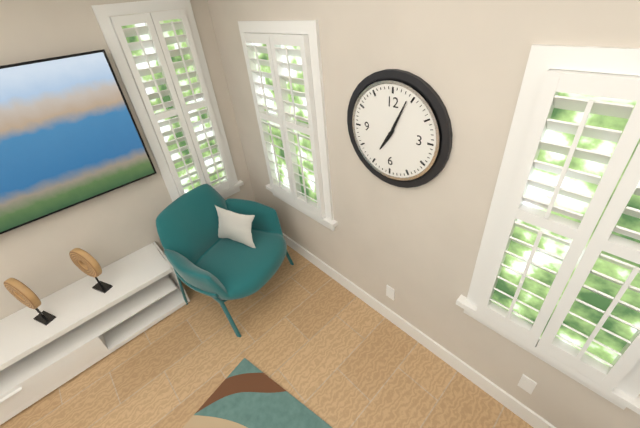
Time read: **7:04**
